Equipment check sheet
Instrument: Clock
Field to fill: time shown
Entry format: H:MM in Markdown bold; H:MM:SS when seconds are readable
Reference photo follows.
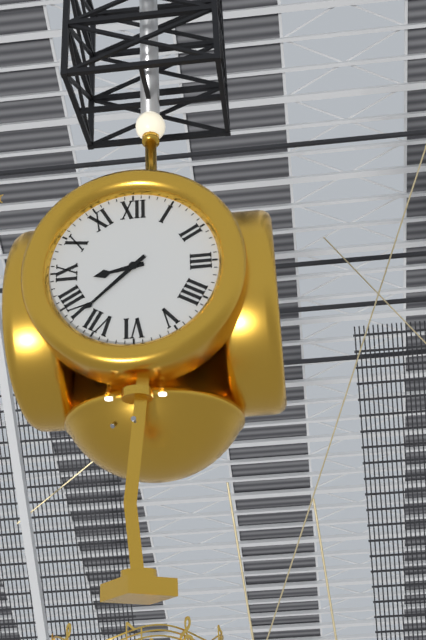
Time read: **8:38**
